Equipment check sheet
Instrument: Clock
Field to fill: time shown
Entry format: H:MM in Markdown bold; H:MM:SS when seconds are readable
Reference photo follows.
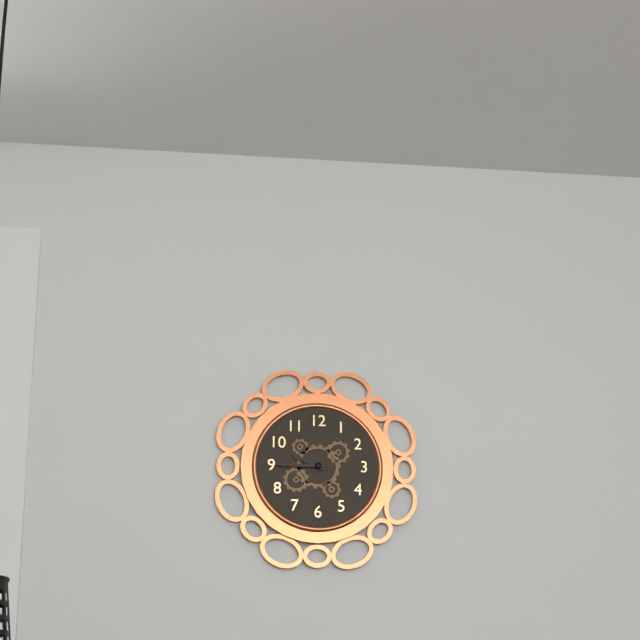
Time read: **9:45**
